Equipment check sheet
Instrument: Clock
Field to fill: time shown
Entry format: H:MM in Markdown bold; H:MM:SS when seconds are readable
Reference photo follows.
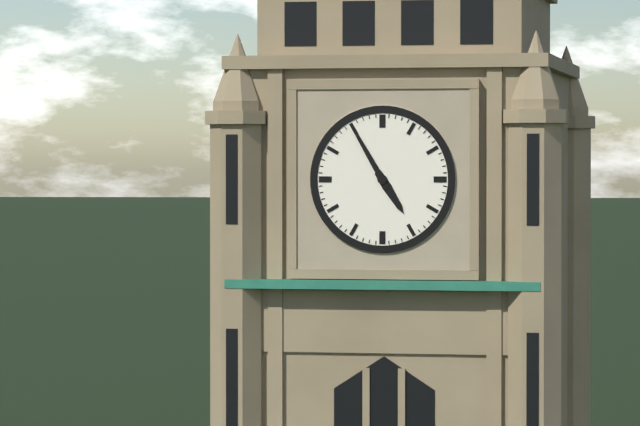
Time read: **4:55**
